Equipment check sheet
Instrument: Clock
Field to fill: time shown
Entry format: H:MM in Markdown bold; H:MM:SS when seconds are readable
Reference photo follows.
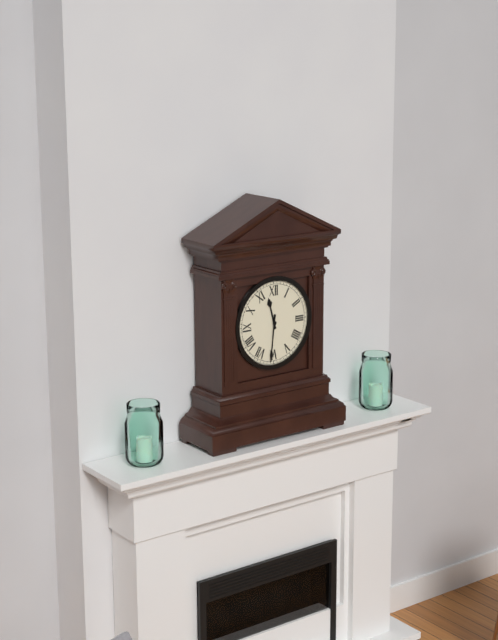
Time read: **11:31**
